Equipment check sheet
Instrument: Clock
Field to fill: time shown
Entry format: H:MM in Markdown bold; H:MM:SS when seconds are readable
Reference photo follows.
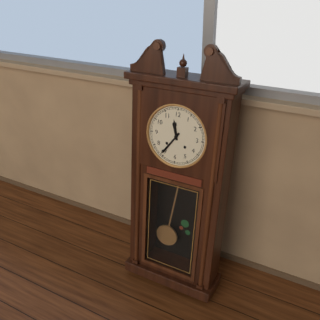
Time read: **11:36**
